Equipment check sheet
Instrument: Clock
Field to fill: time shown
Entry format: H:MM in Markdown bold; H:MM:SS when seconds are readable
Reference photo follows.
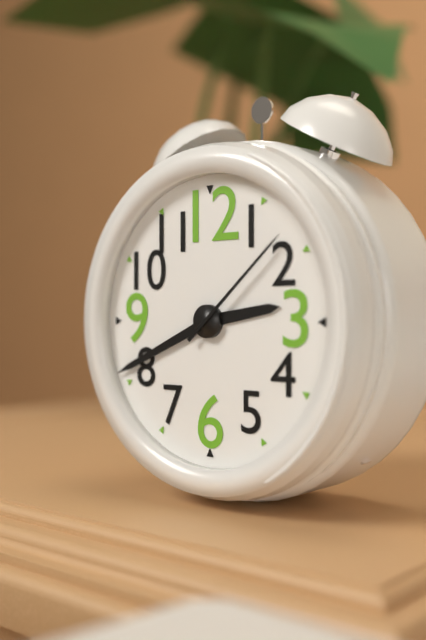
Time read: **2:41:08**
